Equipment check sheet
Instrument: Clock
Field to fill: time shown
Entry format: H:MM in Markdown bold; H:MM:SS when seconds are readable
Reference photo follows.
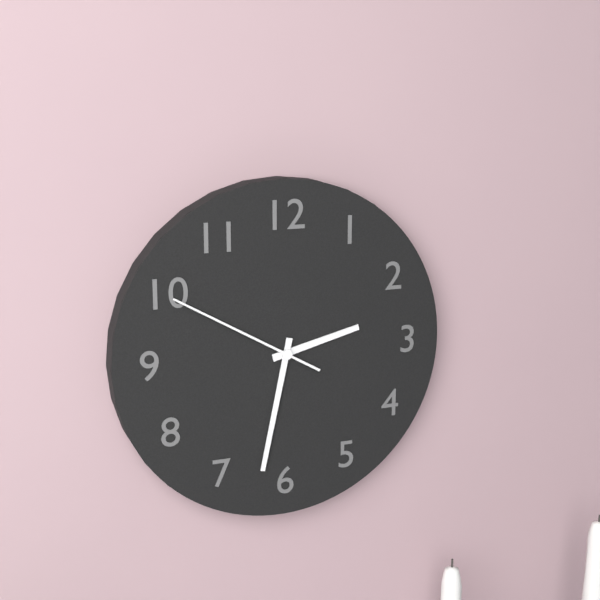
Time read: **2:32:50**
